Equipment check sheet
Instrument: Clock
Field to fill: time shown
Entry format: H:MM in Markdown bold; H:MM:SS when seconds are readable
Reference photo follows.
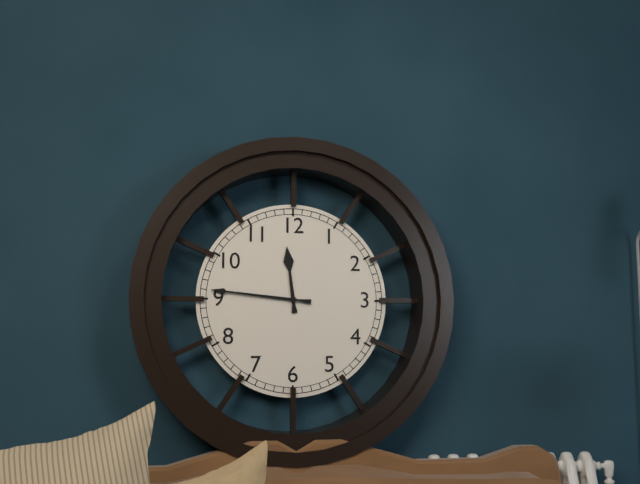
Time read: **11:46**
